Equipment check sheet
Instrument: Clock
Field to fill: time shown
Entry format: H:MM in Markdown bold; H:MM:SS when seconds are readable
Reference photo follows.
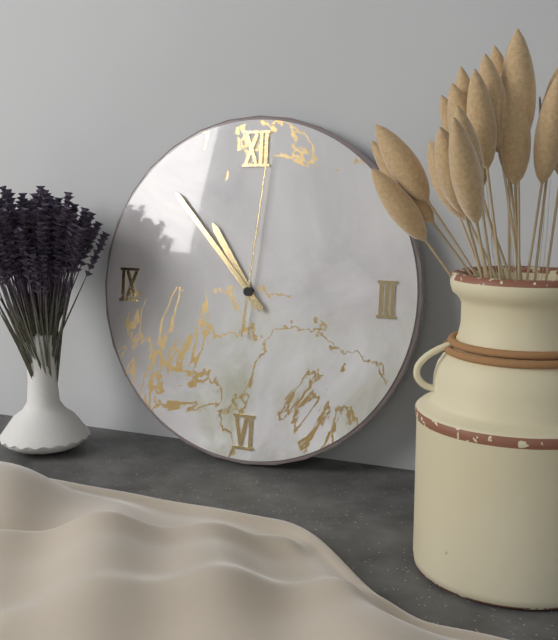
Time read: **10:53:01**
